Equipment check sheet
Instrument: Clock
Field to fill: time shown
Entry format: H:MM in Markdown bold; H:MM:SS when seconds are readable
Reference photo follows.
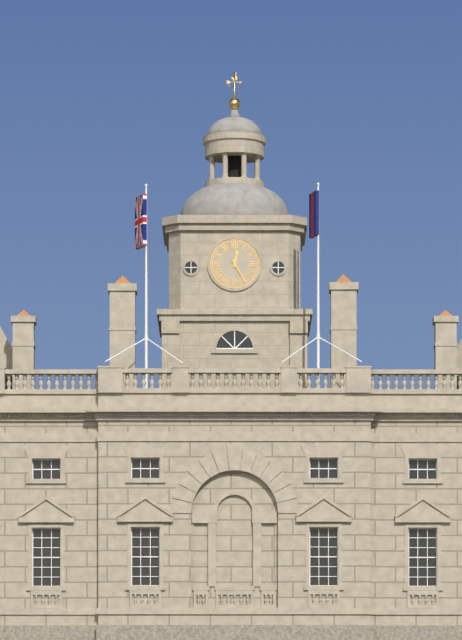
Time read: **12:25**
